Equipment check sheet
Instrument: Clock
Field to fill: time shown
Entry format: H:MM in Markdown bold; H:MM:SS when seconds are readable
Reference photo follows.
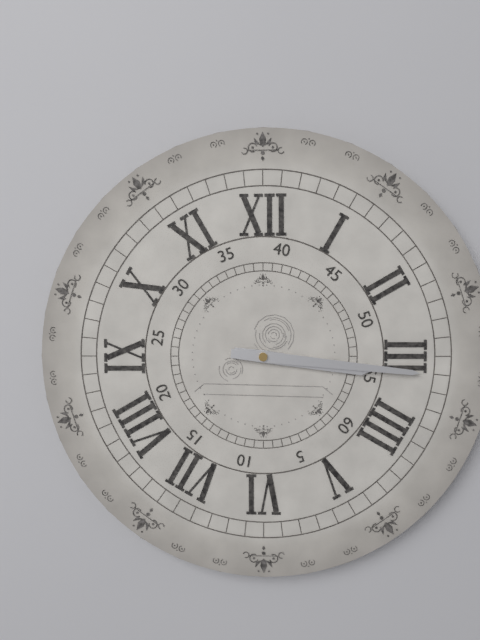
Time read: **3:16**
